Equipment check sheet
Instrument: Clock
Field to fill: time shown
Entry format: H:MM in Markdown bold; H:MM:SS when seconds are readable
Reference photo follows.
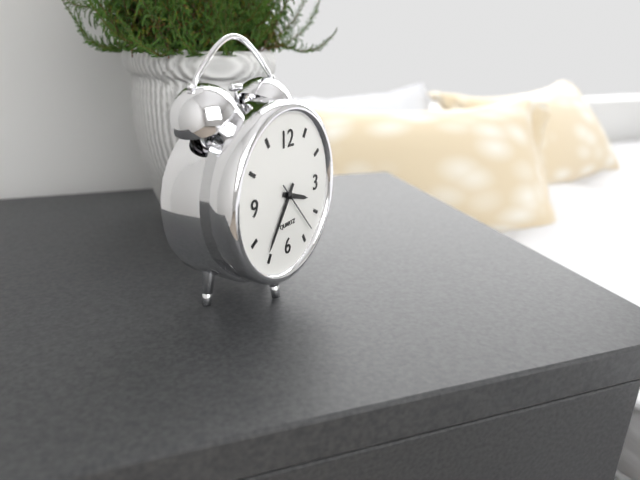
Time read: **3:36:23**
